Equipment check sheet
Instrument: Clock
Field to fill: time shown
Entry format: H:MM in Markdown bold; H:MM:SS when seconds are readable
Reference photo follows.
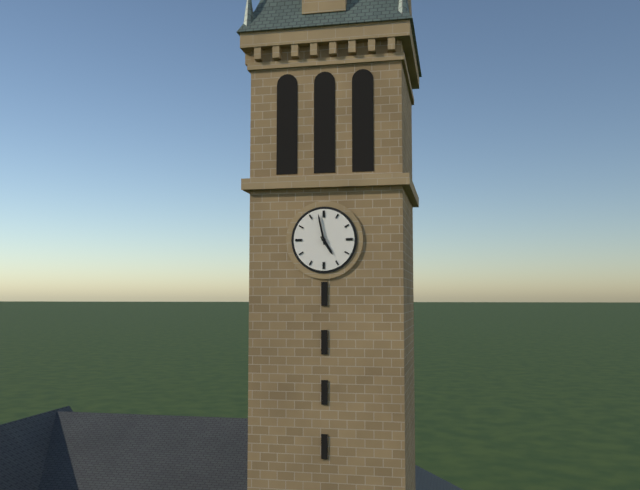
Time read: **4:58**
